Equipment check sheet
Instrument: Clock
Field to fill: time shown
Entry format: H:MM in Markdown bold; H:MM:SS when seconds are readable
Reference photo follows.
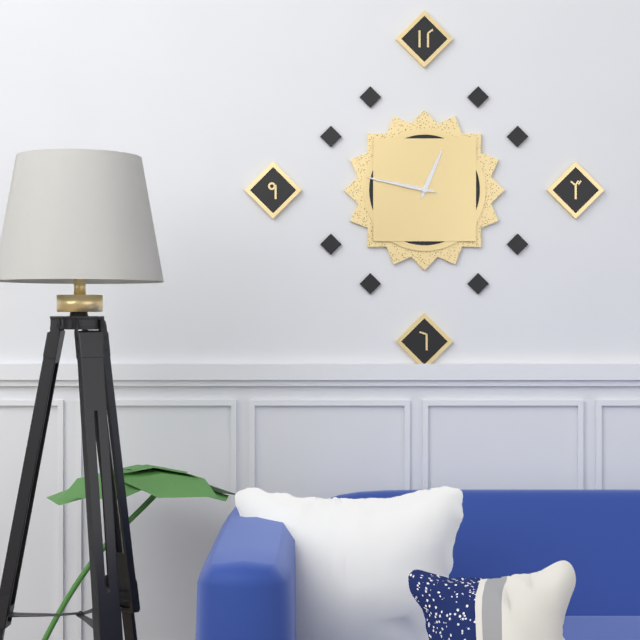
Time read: **12:47**
